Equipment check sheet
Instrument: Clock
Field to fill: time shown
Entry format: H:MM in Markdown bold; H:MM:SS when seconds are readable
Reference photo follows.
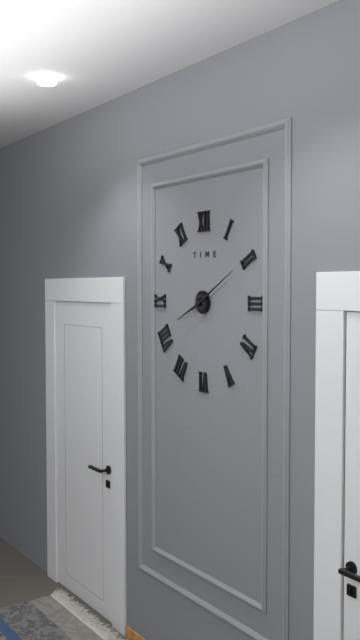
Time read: **8:10**
